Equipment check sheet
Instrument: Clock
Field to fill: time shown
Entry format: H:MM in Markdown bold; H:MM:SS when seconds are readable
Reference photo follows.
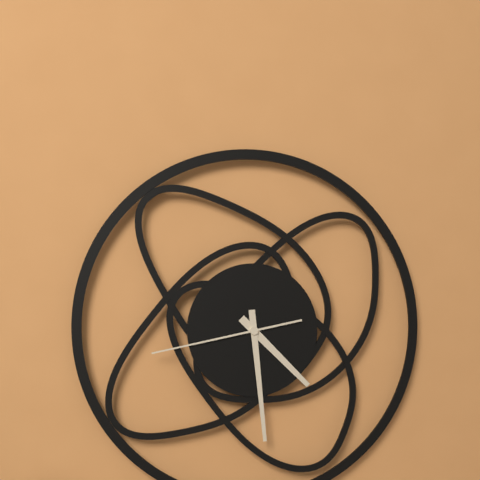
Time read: **4:29:43**
